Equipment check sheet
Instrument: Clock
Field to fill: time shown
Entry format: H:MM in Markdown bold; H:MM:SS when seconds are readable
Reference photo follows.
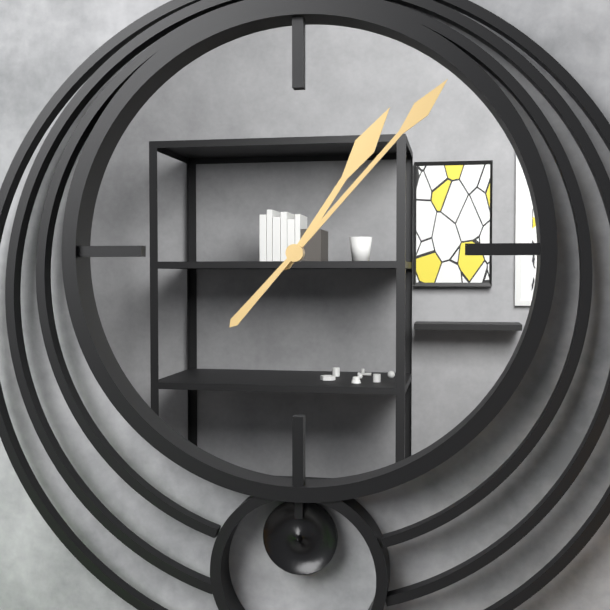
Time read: **1:07**
